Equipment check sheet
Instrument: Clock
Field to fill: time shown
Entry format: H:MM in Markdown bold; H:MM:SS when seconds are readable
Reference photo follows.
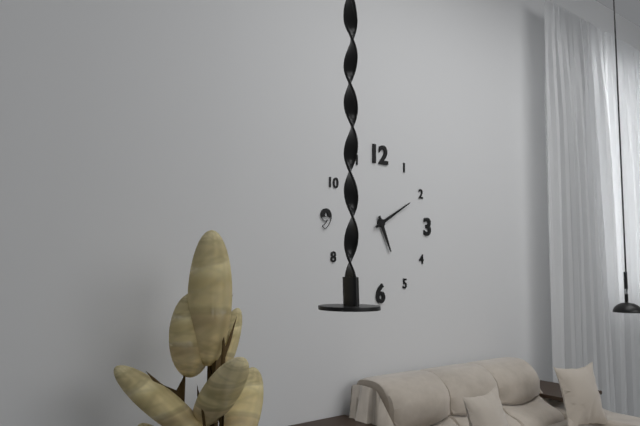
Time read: **5:10**
